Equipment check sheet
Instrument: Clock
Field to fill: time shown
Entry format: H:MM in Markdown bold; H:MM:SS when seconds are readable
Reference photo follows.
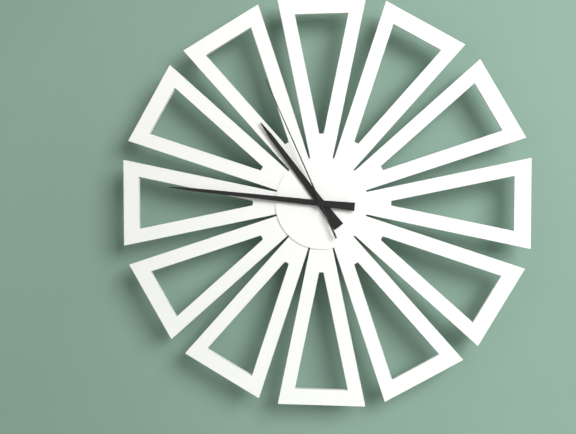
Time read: **10:46:56**
